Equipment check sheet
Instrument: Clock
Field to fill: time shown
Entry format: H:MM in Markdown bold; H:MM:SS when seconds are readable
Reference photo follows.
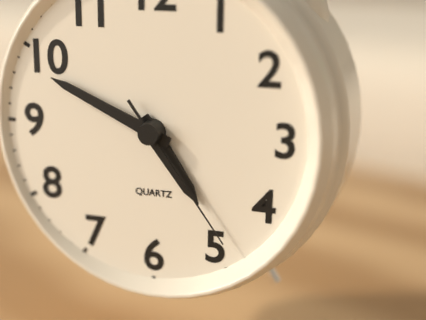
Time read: **4:49:24**
